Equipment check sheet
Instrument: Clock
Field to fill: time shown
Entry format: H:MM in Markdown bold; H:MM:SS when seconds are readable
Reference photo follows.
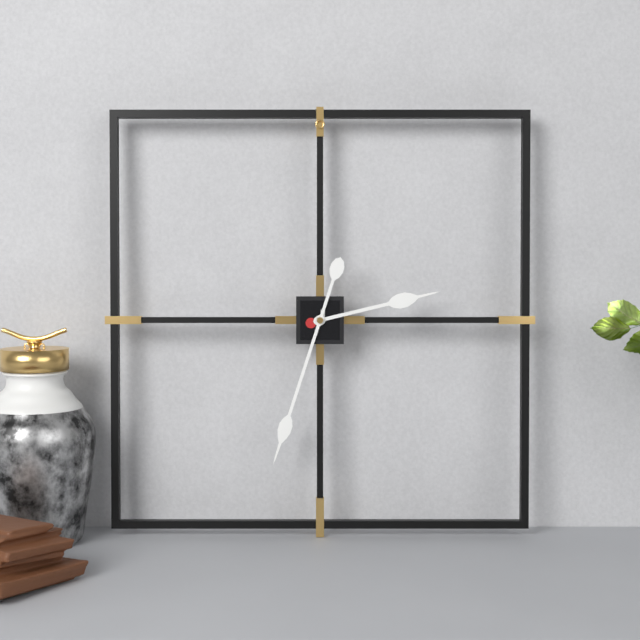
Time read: **2:33**
